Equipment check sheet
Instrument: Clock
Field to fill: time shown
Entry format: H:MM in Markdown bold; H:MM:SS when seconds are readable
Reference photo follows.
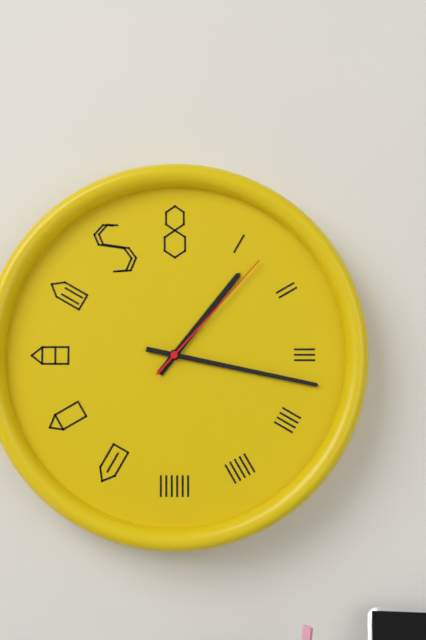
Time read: **1:17:07**
